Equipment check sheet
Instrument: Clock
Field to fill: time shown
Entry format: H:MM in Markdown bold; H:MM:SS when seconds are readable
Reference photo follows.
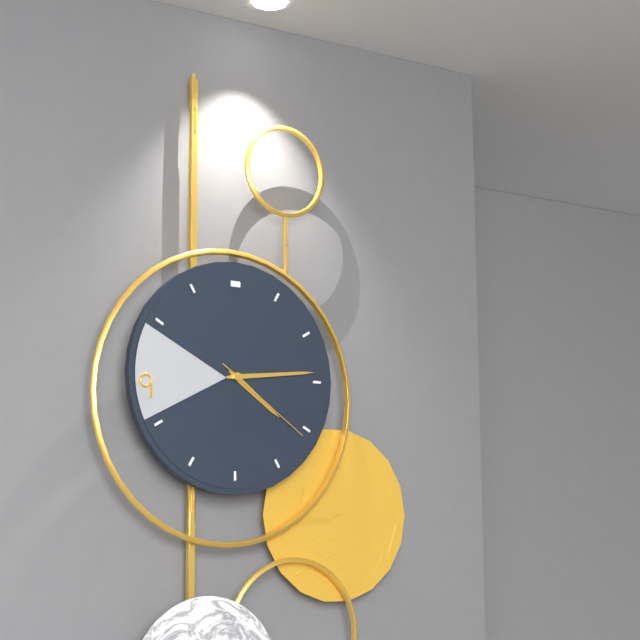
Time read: **4:14:21**
